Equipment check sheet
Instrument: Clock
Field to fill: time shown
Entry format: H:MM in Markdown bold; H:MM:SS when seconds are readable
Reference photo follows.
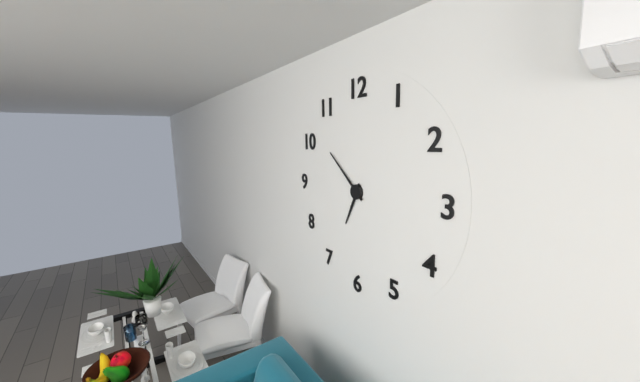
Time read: **6:52**
